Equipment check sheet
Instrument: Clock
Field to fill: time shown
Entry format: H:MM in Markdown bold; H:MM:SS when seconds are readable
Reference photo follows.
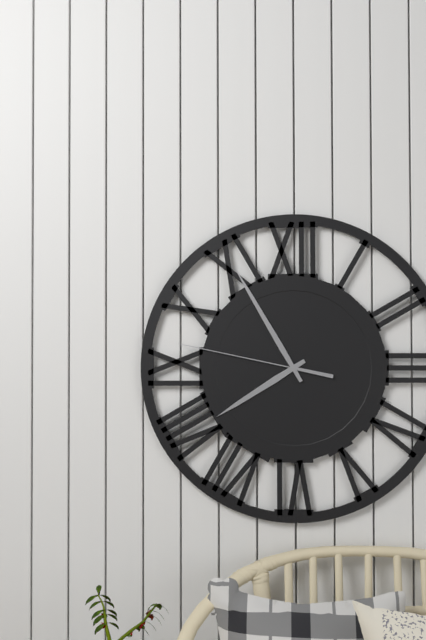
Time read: **7:55:47**
